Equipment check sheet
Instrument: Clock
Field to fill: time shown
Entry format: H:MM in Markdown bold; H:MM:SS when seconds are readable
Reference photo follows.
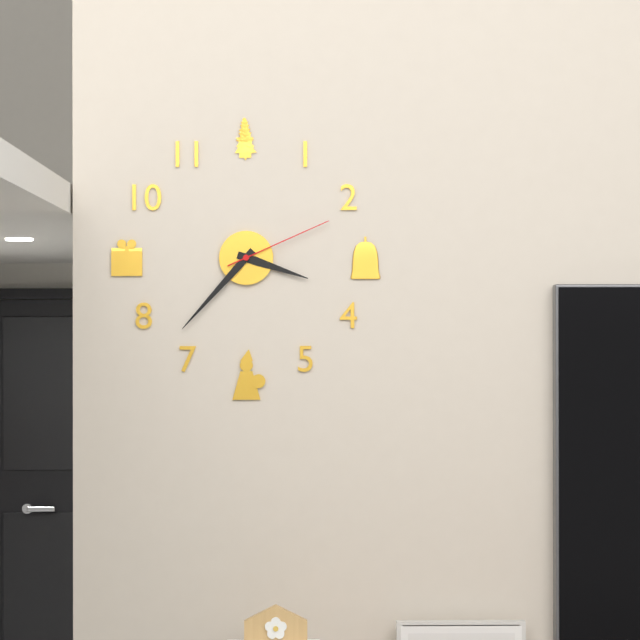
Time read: **3:37:11**
